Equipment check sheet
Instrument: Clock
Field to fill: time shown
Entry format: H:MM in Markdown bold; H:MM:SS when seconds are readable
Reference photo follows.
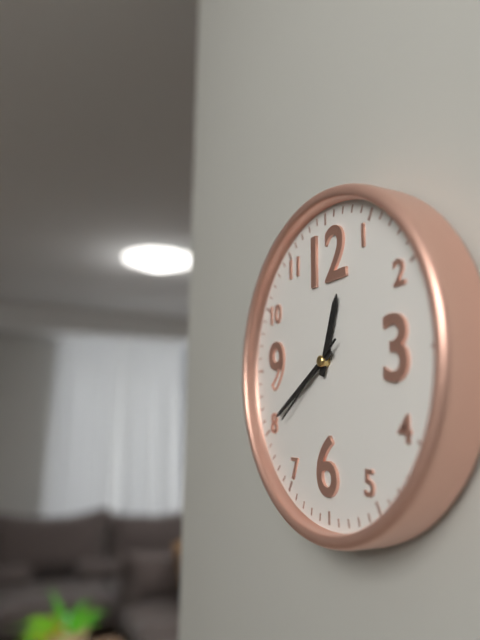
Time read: **12:40:39**
